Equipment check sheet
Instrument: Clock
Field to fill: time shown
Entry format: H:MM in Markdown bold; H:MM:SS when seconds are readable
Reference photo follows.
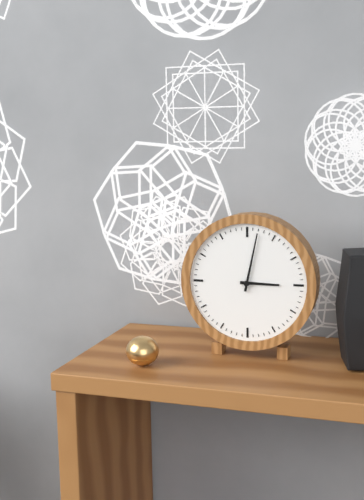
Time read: **3:02**
